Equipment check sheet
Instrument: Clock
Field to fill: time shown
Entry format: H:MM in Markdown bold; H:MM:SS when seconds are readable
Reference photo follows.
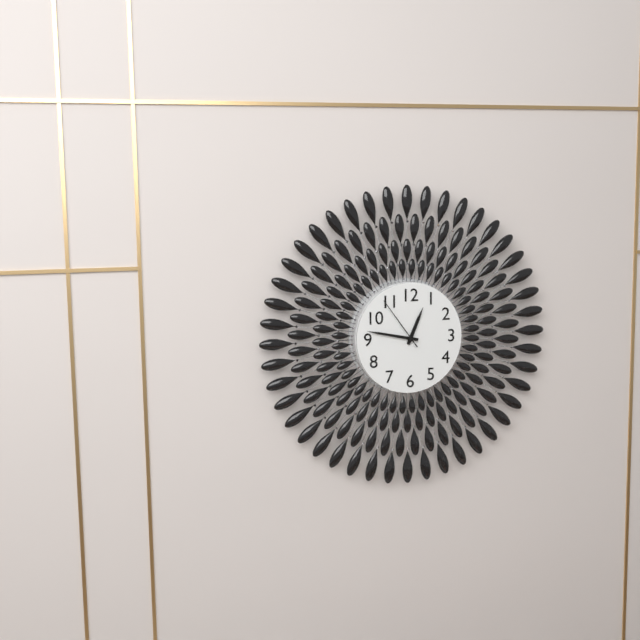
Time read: **12:47:54**
